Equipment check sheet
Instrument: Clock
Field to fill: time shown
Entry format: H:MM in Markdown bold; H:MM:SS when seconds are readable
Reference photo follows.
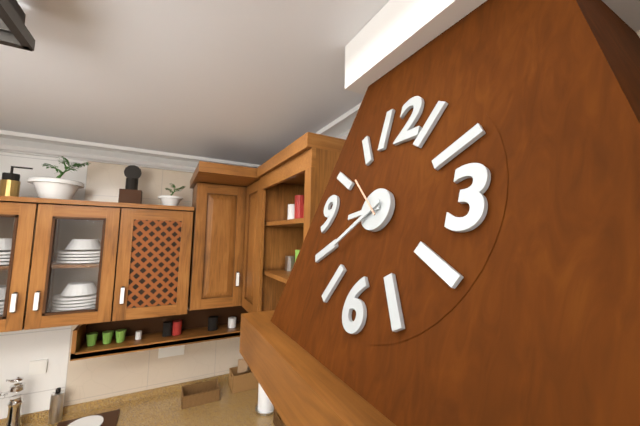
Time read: **8:39**
